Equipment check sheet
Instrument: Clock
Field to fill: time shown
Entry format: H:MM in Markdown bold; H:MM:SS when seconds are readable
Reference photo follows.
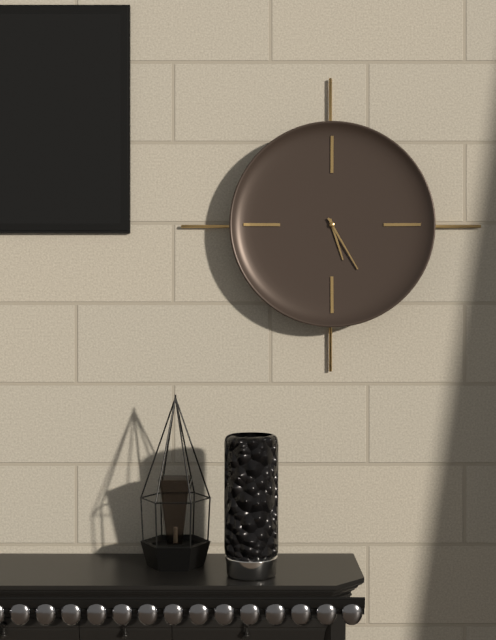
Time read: **5:25**
